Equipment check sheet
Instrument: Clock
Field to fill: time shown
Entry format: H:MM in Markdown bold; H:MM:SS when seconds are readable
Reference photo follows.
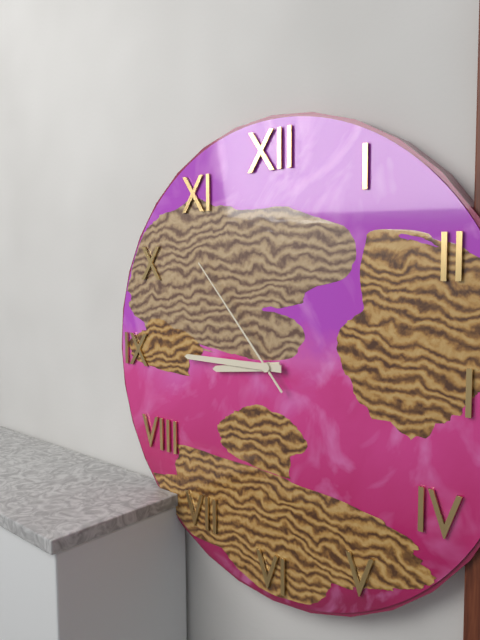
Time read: **8:45:53**
